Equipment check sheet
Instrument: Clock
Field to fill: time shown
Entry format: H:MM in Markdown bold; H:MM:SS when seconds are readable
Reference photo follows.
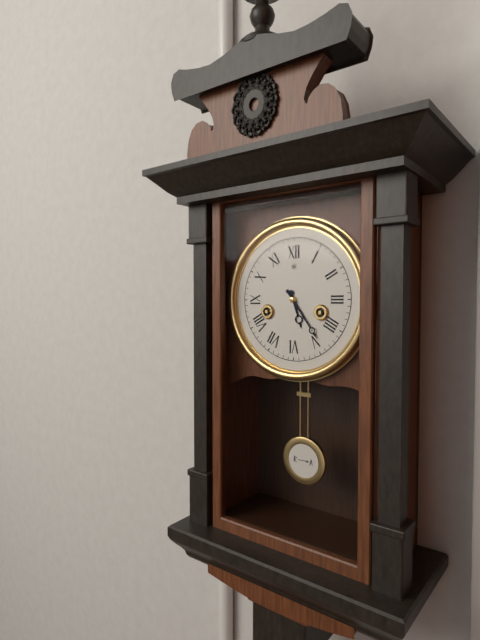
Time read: **5:24**
